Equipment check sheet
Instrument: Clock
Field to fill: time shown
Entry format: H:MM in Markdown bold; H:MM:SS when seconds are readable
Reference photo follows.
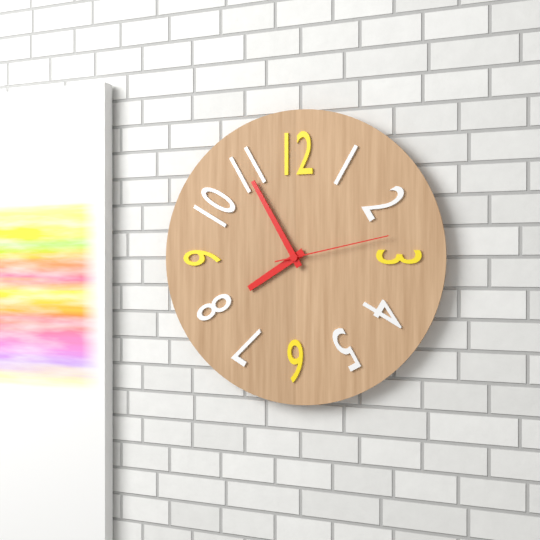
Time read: **7:55:13**
